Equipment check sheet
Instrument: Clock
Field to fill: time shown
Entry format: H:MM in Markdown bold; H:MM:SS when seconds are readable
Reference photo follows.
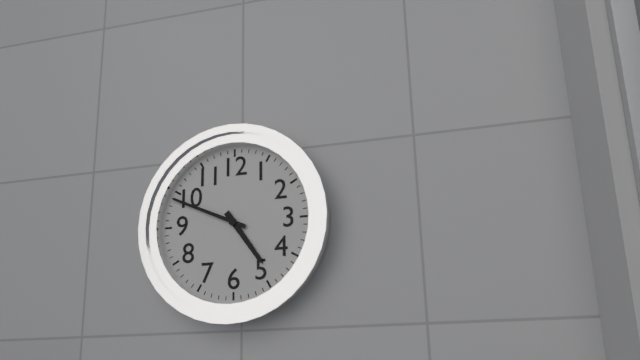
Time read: **4:49**
